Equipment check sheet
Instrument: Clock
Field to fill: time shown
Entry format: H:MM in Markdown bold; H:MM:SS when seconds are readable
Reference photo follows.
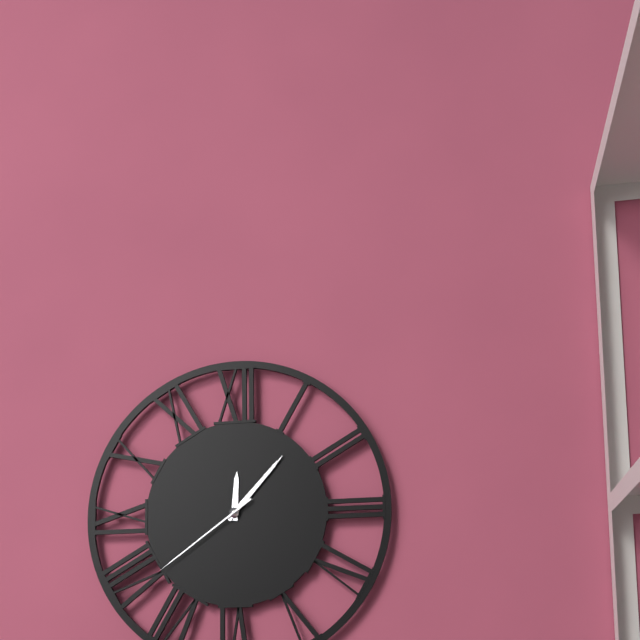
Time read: **12:07:39**
